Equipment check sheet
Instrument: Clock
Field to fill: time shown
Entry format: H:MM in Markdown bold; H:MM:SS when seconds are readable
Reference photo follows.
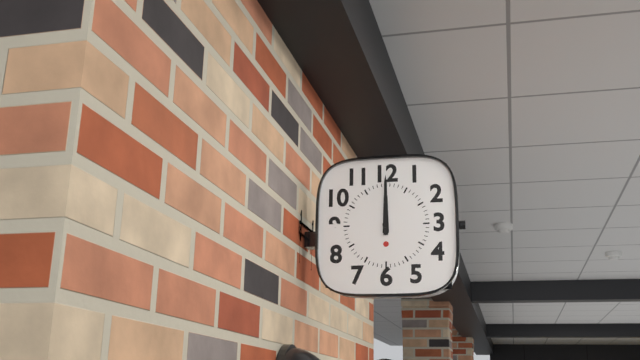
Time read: **12:00**
